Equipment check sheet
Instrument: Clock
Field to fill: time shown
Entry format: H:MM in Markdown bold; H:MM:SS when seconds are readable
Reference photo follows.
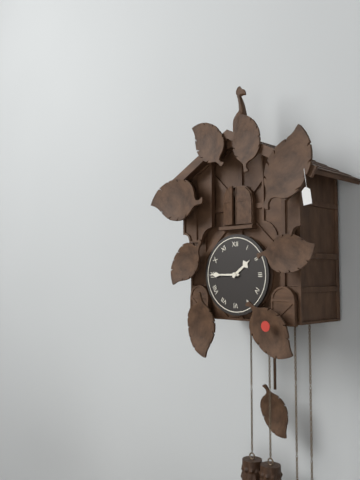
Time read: **1:45**
